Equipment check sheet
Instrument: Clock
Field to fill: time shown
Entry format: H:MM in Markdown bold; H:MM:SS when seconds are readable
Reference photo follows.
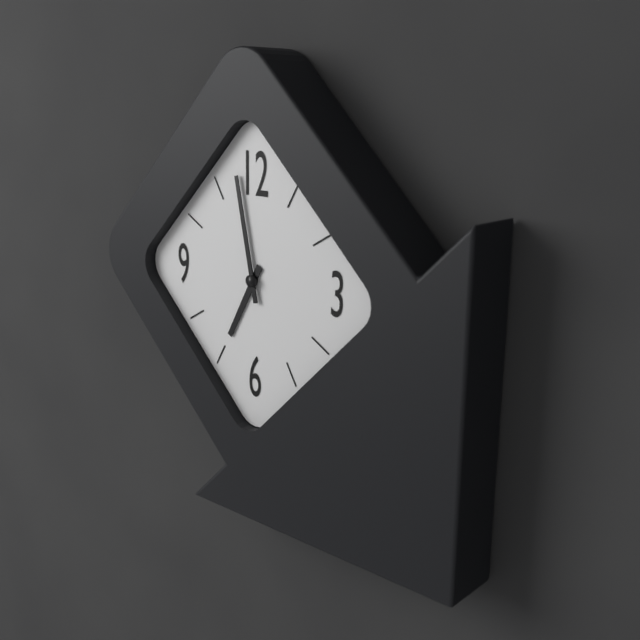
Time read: **6:58**
